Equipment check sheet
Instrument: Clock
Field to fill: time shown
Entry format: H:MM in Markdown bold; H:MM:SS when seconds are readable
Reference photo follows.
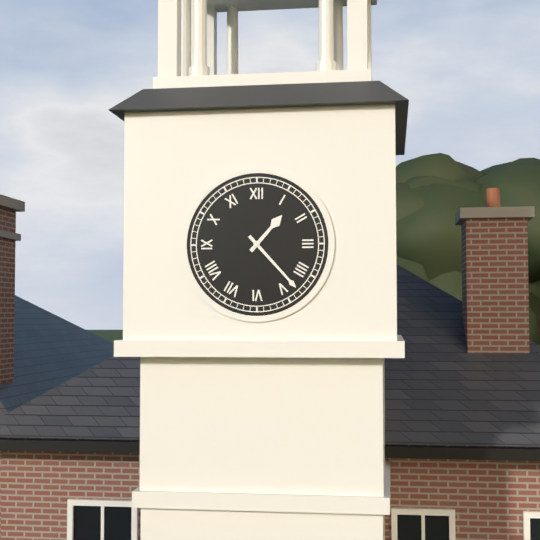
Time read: **1:23**
